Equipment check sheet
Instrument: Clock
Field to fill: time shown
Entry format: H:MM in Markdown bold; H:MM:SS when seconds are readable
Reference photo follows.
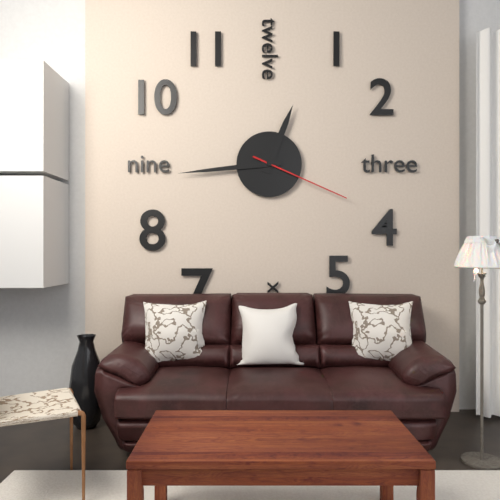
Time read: **12:44:19**
